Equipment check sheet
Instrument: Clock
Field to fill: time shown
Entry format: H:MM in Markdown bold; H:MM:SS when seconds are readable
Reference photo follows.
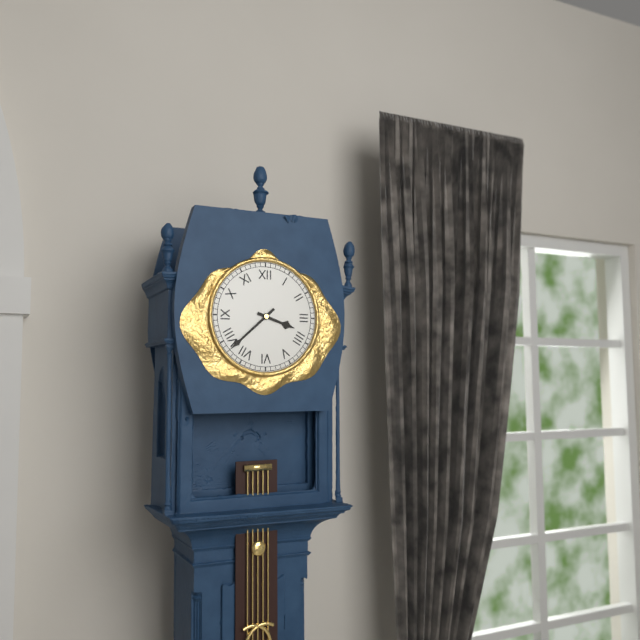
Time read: **3:38**
